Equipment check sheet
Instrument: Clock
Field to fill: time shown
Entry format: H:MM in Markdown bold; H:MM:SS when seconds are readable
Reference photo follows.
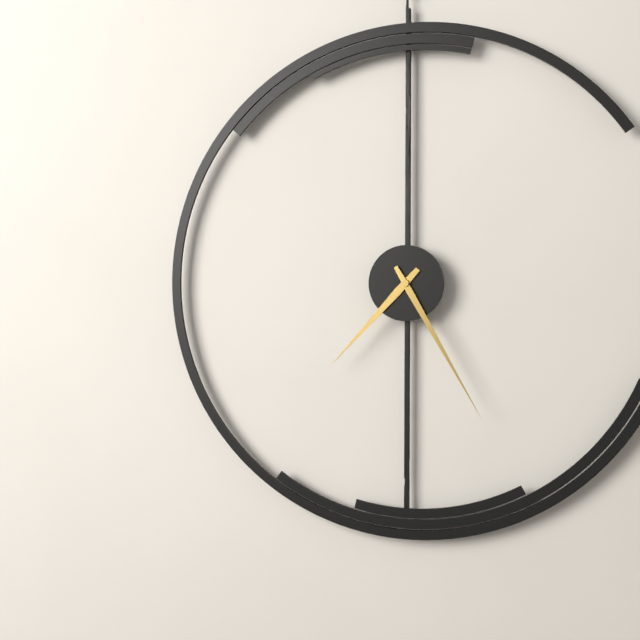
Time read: **7:25**
